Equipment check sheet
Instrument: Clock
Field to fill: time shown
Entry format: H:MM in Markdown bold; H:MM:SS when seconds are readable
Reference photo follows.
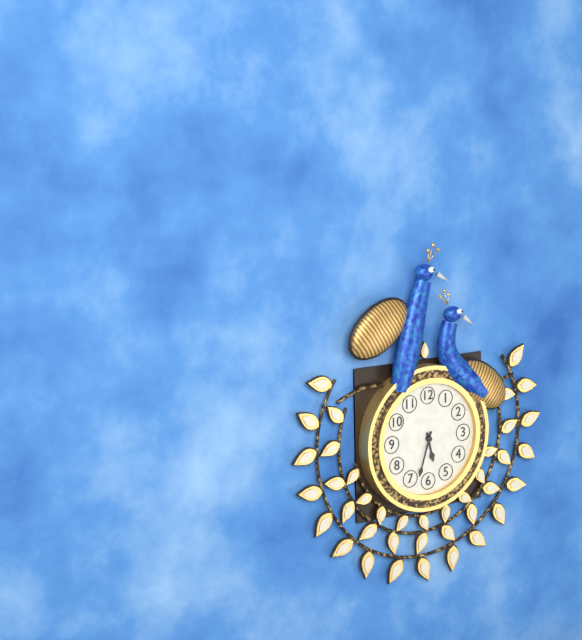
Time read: **5:33**
